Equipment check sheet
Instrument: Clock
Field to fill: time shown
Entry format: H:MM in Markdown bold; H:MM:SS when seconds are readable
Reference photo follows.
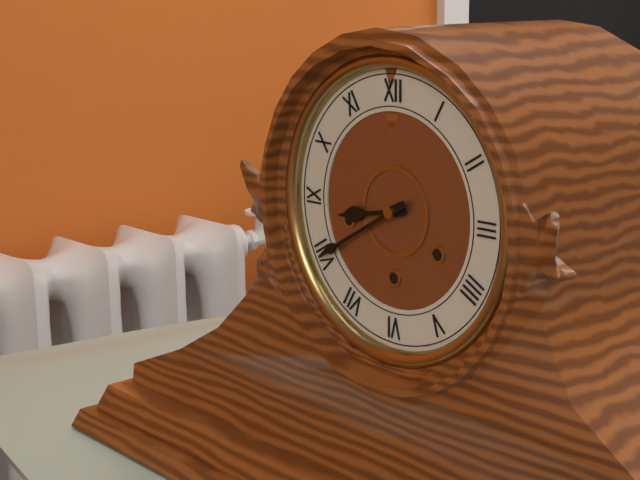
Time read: **8:40**
